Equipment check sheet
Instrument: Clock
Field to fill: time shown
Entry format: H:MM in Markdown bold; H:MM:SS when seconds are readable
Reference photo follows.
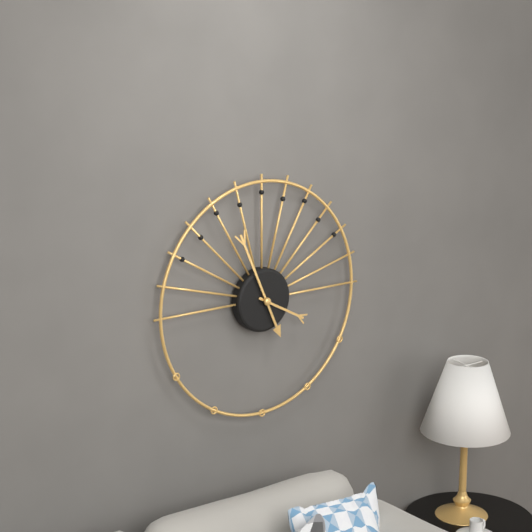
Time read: **3:56**
